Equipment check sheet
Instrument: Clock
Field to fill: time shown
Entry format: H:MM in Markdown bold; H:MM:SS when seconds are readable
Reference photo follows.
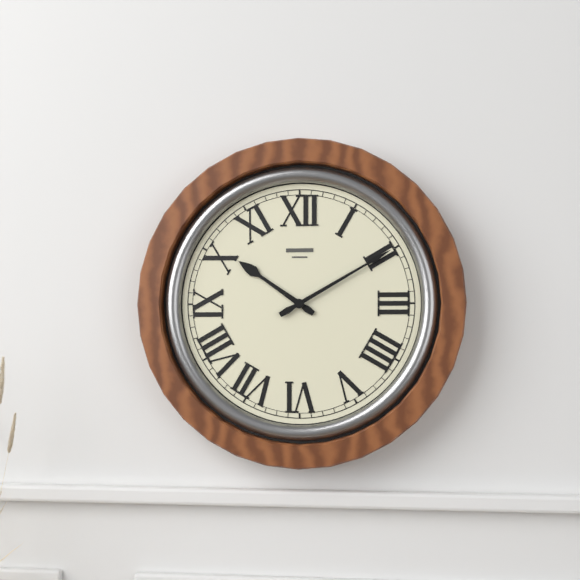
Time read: **10:10**
